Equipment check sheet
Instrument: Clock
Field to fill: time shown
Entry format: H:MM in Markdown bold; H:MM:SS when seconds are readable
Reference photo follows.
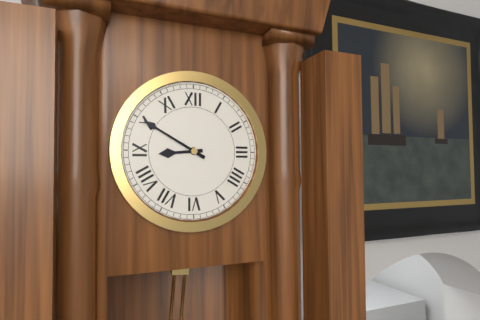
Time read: **8:50**
